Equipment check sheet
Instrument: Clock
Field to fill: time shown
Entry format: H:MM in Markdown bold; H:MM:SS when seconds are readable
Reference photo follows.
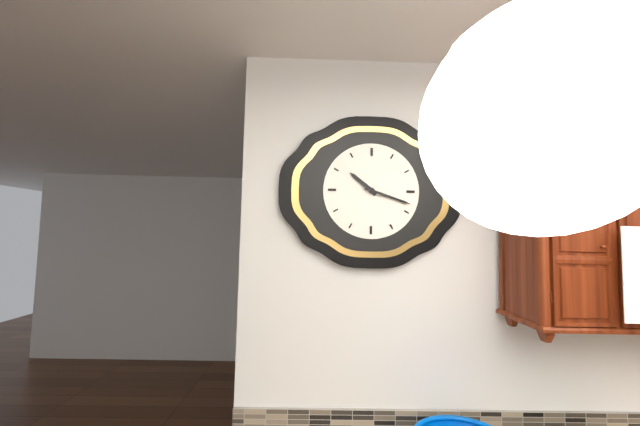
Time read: **10:18**
